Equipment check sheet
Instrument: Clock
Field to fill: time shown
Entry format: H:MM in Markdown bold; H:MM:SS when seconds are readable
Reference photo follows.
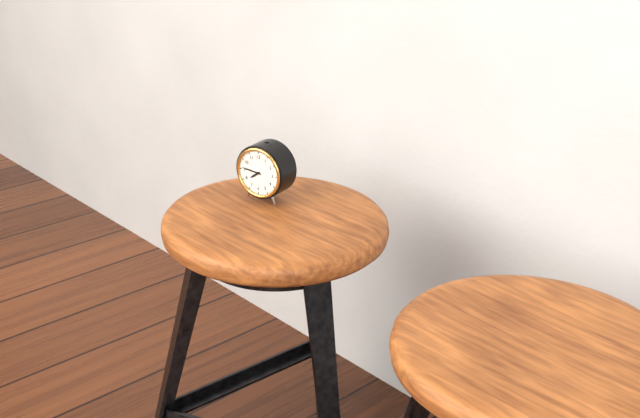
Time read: **7:46**
